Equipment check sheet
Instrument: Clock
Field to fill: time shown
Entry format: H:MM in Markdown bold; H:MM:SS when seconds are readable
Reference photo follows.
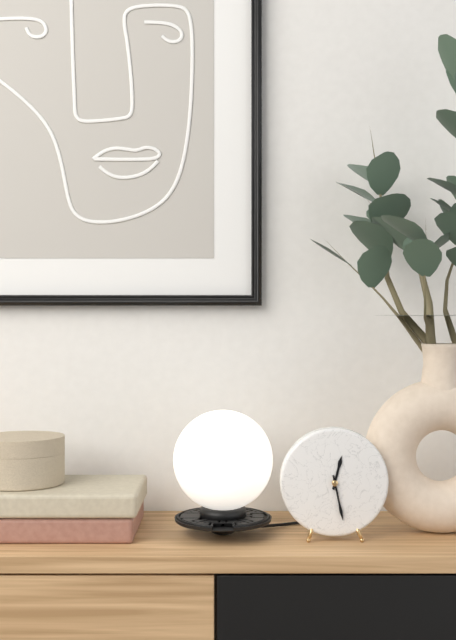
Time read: **12:28**
